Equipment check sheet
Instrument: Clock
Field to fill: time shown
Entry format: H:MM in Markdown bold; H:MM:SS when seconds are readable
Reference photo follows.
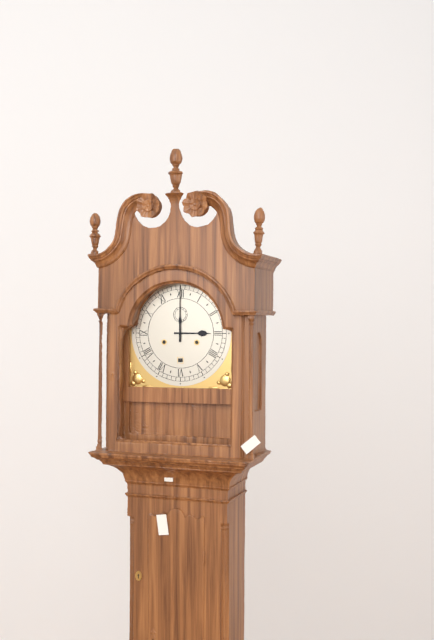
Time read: **3:00**
